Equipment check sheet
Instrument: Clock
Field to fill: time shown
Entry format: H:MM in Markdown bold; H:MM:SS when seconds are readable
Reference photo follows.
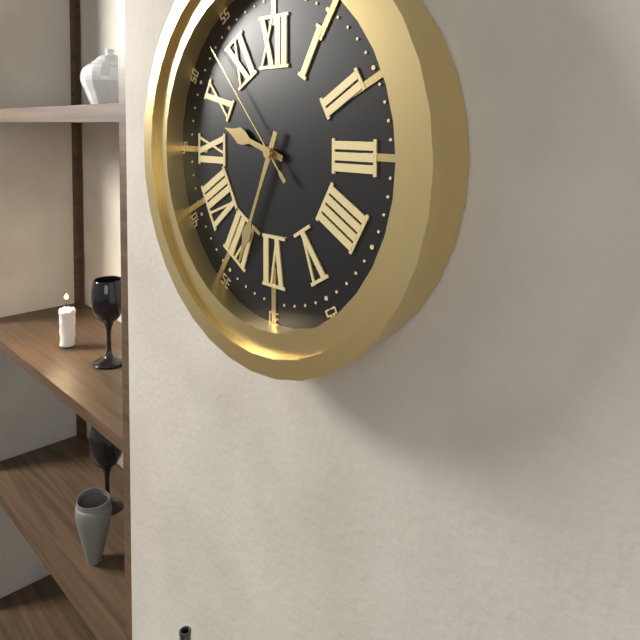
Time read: **9:34:53**
